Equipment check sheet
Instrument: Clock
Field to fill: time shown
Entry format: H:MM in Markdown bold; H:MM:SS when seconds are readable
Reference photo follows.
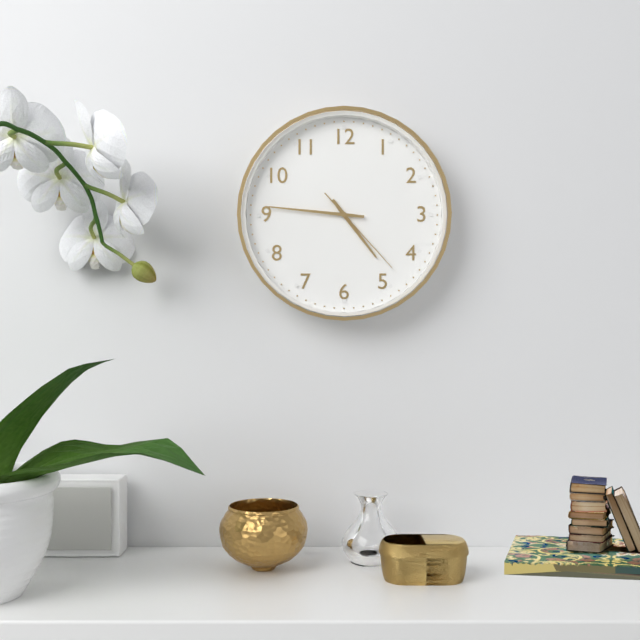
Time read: **4:46:23**
